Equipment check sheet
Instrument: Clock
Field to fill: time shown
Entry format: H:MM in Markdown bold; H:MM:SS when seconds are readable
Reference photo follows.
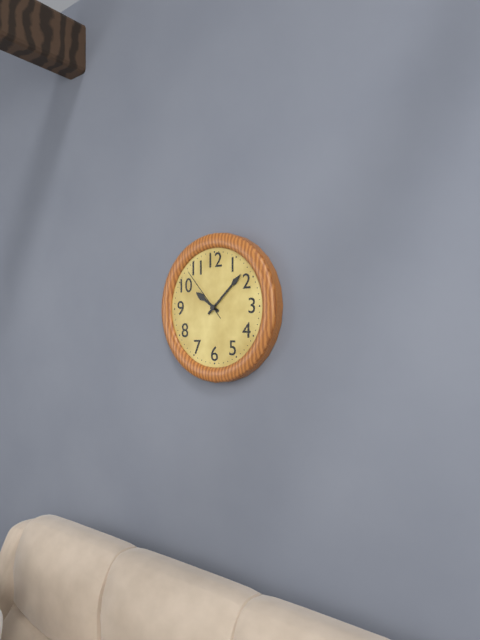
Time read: **10:08:53**
